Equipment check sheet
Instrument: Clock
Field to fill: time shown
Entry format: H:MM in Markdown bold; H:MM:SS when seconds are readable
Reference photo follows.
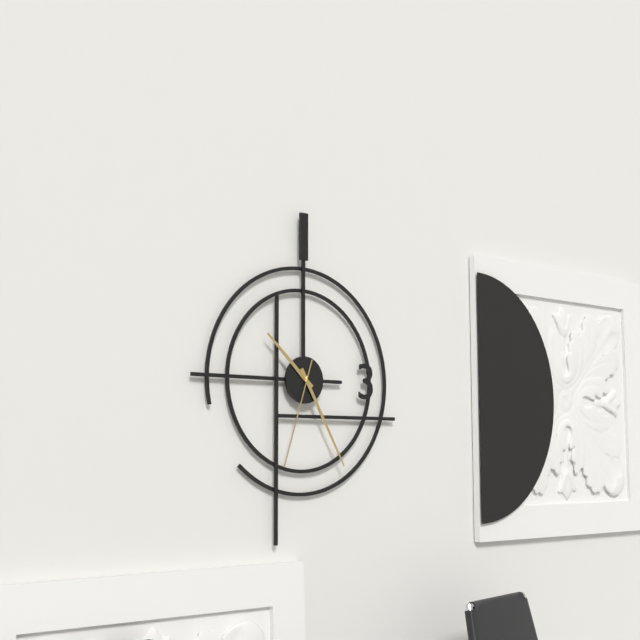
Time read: **10:25:33**
